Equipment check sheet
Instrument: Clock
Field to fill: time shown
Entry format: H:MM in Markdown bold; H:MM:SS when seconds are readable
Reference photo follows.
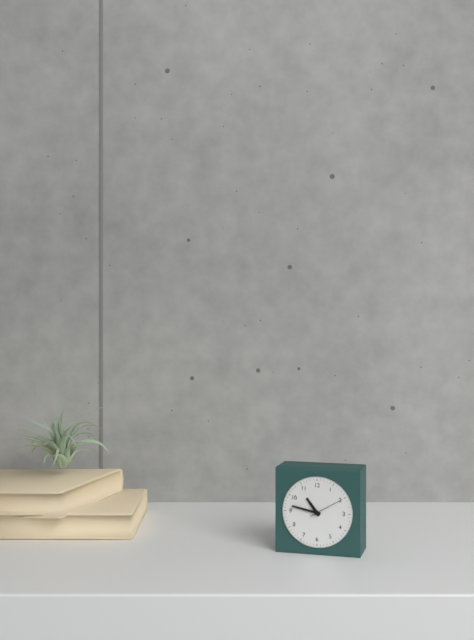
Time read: **10:47**
